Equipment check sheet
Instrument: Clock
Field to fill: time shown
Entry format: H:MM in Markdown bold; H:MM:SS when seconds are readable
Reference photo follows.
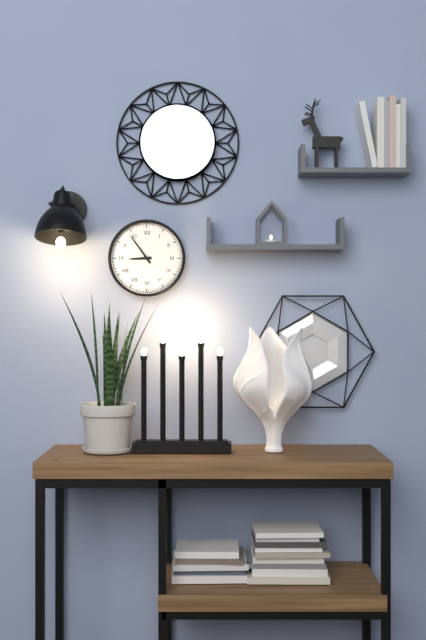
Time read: **8:54**
